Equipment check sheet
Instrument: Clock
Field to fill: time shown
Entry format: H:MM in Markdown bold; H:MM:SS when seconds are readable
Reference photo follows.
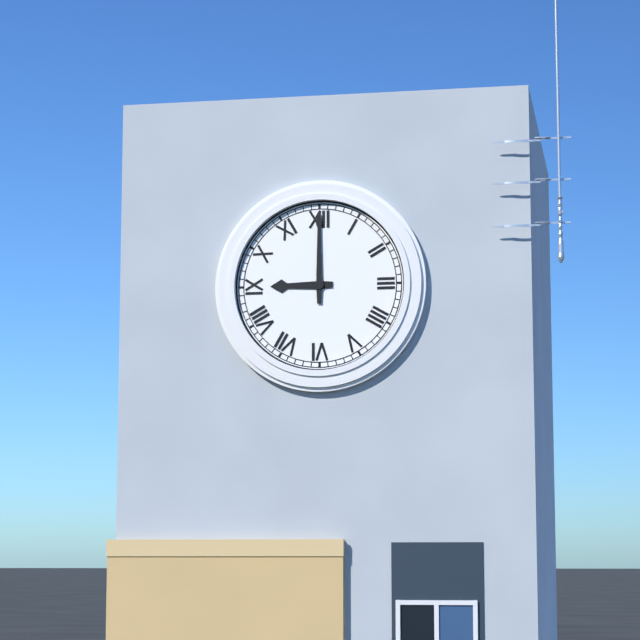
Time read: **9:00**
